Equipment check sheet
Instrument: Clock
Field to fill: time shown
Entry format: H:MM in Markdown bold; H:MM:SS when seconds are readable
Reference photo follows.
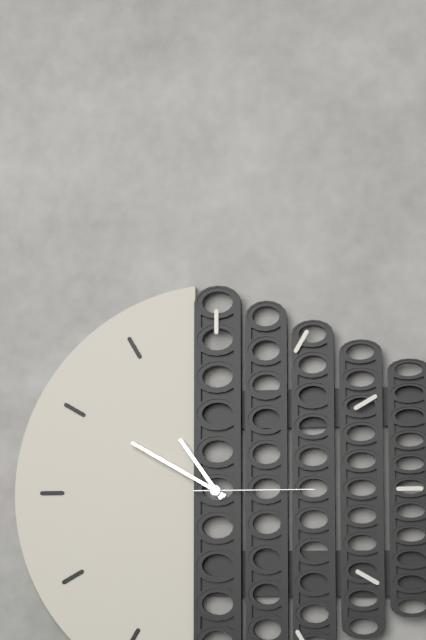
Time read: **10:50:15**
